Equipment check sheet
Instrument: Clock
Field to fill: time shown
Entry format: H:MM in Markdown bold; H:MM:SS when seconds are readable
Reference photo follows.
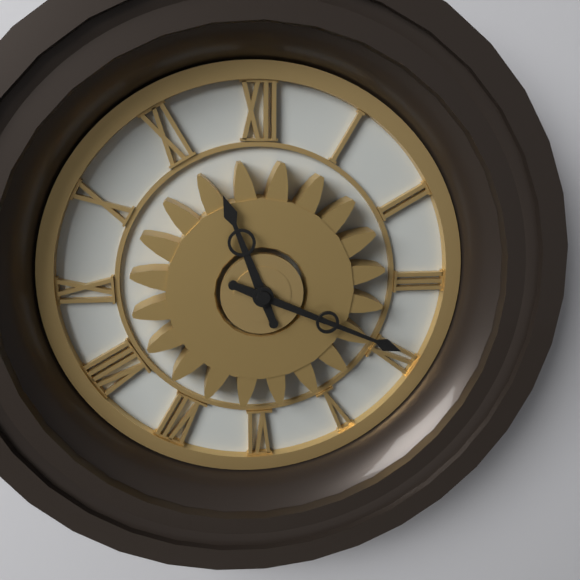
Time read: **11:19**
